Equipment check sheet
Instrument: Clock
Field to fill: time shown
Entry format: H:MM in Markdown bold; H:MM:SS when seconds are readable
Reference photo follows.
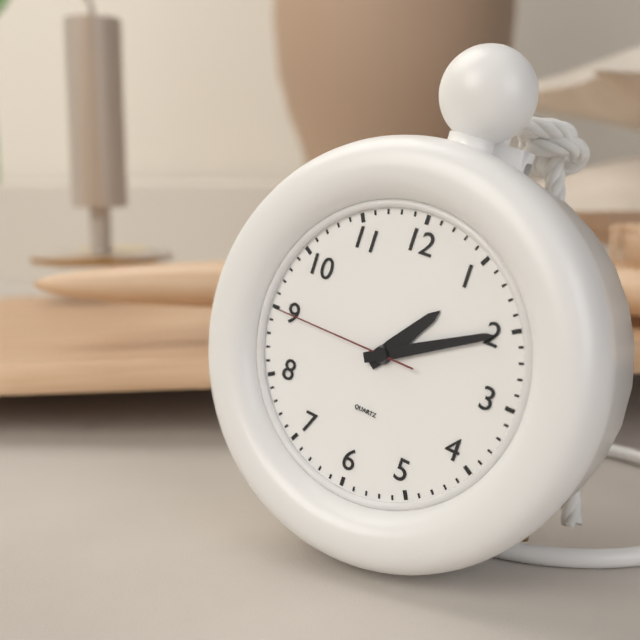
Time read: **1:10:45**
